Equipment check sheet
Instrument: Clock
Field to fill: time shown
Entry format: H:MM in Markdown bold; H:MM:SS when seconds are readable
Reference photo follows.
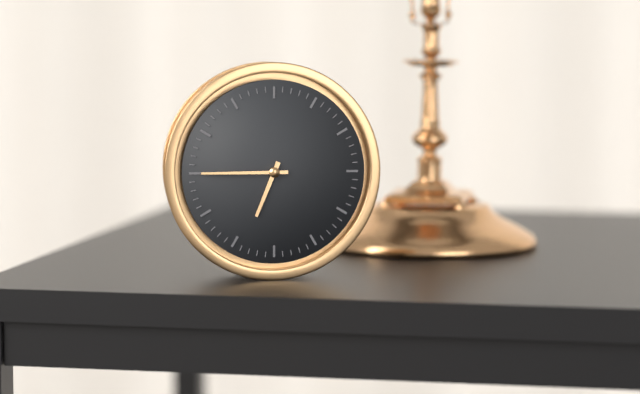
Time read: **6:45**
